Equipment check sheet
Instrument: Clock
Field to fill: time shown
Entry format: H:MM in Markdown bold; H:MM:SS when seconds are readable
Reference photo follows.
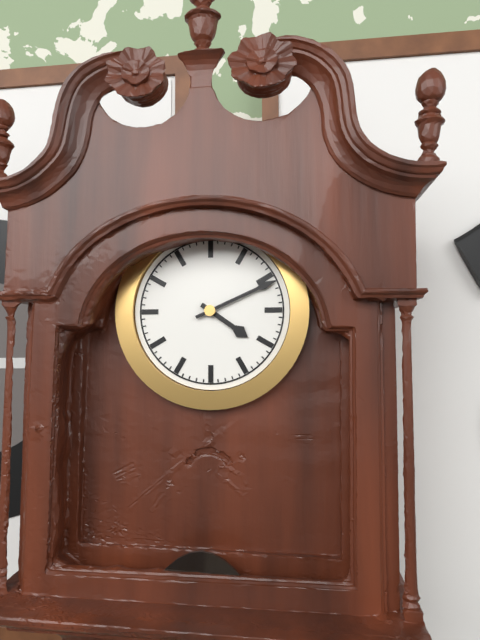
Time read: **4:11**
